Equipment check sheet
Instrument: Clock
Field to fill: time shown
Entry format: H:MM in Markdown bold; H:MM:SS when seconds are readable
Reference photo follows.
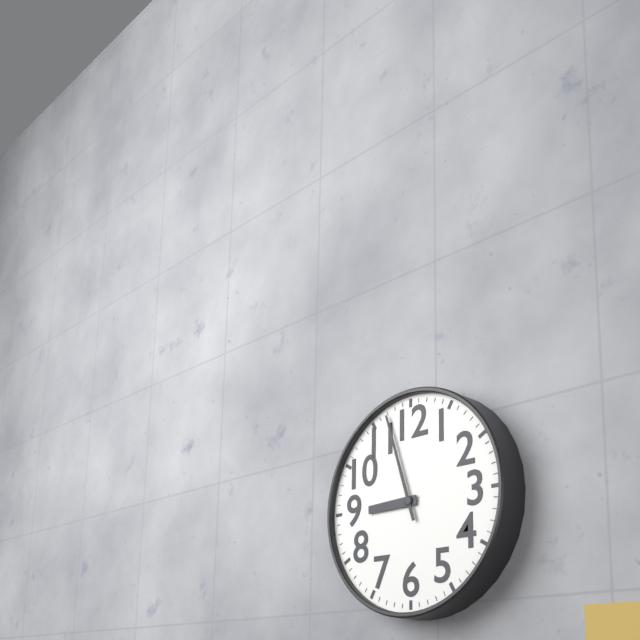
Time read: **8:57**
